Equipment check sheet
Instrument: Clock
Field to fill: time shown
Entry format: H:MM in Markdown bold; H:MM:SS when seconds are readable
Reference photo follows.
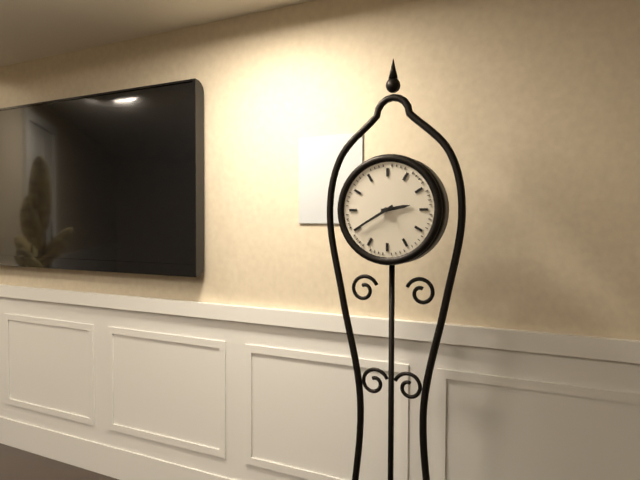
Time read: **2:40**
